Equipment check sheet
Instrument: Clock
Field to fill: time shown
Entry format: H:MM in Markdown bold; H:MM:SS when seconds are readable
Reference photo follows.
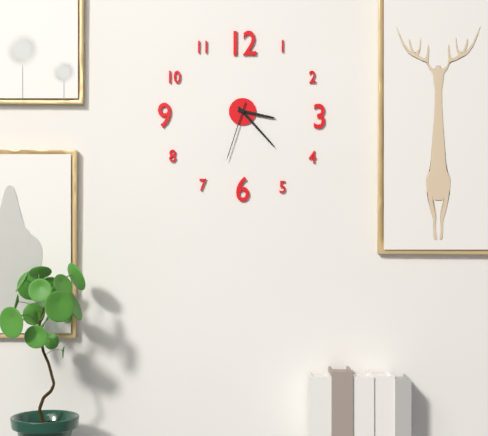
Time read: **3:23:33**
